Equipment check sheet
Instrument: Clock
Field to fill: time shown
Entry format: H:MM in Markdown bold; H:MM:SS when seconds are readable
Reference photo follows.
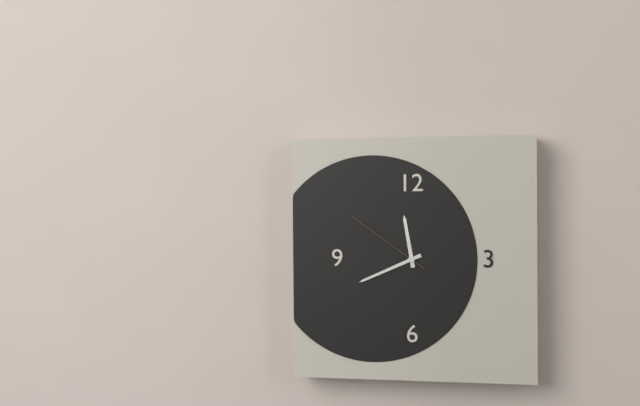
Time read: **11:41:51**
